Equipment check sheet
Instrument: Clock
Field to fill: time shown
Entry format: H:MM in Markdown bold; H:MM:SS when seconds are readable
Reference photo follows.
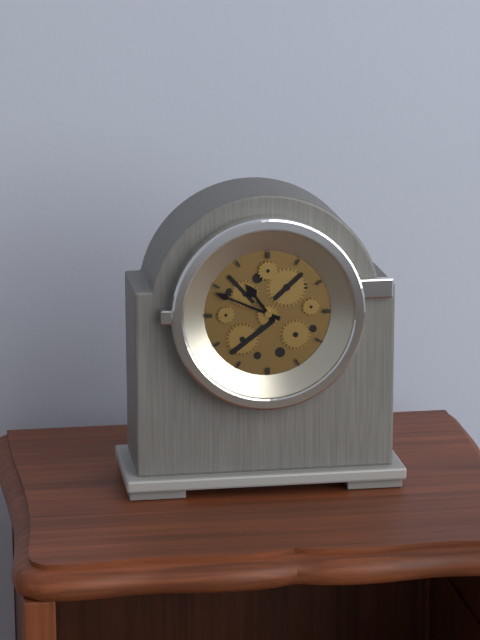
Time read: **10:49**
